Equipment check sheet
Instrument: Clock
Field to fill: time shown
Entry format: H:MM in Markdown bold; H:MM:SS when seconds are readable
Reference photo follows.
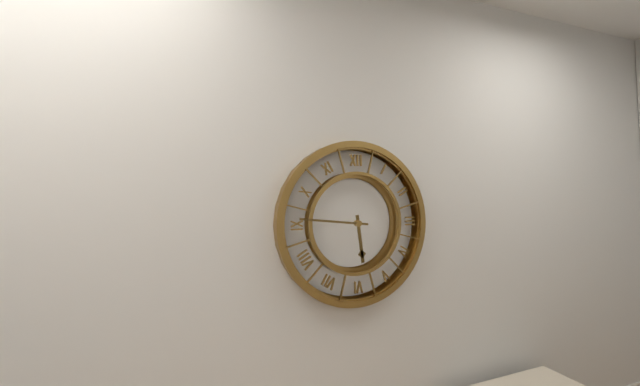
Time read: **5:46**
